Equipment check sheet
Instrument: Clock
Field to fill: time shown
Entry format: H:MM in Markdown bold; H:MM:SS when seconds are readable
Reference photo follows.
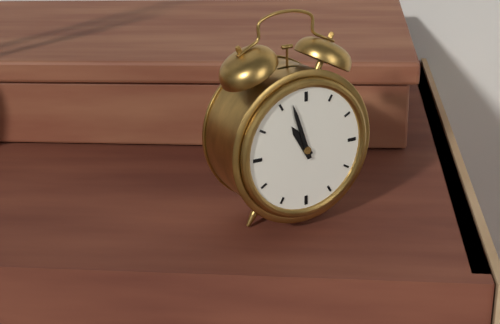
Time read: **10:57**
